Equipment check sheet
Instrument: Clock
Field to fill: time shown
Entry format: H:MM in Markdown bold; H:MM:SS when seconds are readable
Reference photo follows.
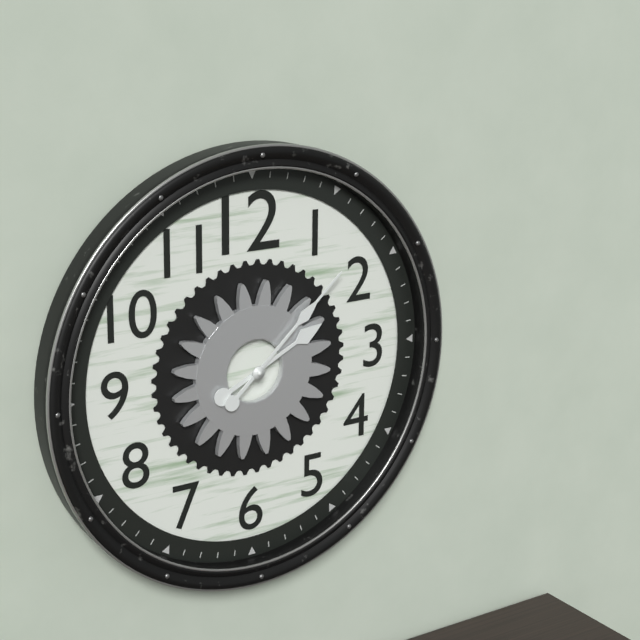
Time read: **2:08**
